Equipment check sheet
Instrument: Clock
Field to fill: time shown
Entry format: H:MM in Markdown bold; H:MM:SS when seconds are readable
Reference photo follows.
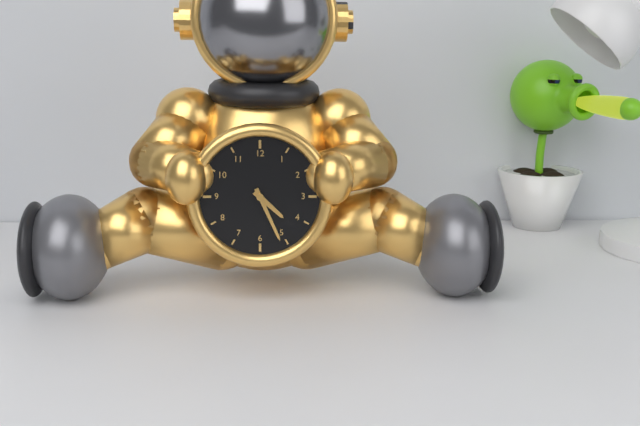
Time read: **4:26**
